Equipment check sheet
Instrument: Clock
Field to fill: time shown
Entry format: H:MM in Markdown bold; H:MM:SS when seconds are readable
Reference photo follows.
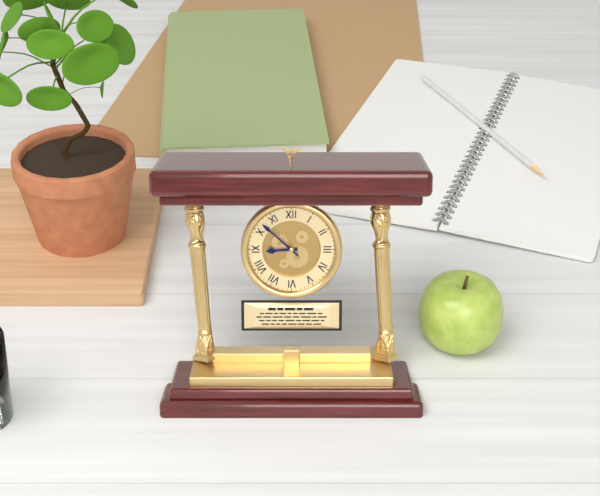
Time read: **8:52**
